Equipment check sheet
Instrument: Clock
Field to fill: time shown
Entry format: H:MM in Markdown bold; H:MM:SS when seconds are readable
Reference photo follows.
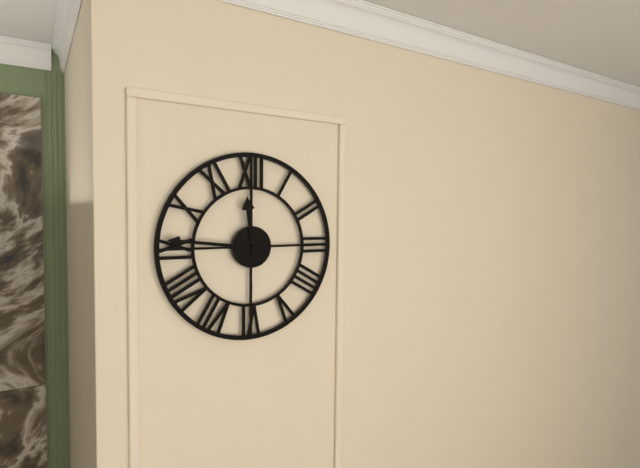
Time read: **11:46**
